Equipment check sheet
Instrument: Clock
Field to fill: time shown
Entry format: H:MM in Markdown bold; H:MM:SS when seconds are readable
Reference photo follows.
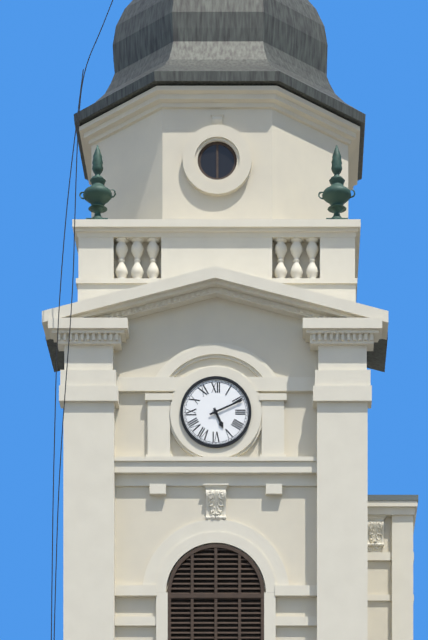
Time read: **5:11**
